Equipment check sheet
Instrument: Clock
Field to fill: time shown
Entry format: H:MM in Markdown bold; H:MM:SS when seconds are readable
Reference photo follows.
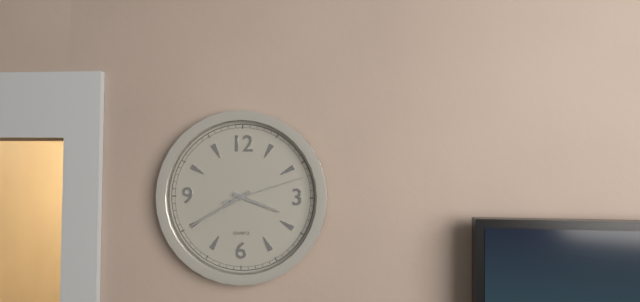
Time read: **3:40:12**
